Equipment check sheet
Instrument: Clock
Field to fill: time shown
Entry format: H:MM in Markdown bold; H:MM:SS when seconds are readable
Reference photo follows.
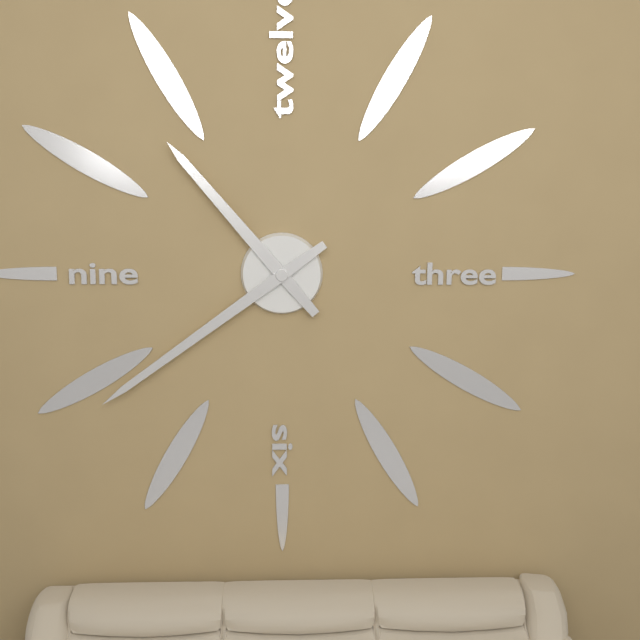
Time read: **10:39**
